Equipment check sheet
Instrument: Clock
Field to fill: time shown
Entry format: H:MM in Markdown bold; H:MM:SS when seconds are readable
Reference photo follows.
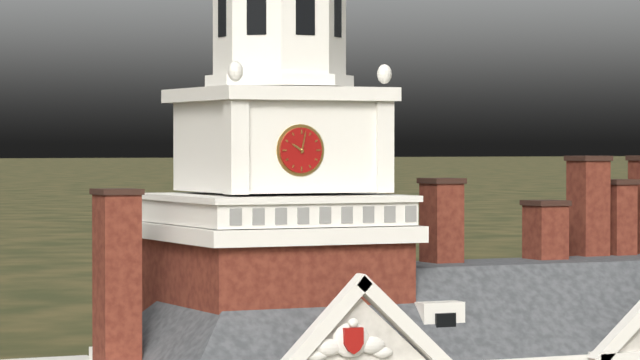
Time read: **10:02**
